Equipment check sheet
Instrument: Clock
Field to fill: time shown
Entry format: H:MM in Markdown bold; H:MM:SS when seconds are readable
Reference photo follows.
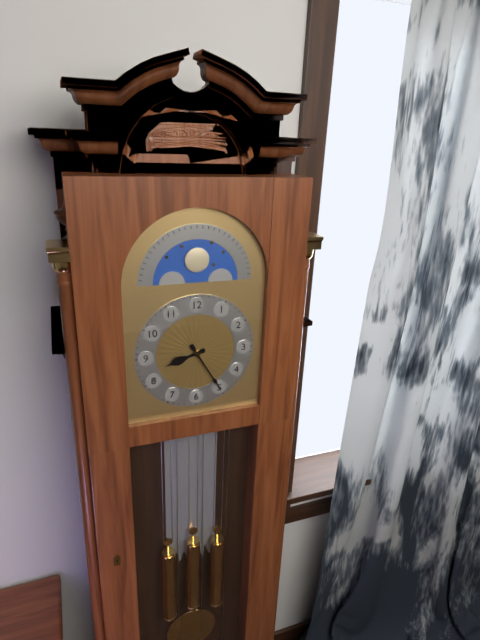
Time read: **8:25**
